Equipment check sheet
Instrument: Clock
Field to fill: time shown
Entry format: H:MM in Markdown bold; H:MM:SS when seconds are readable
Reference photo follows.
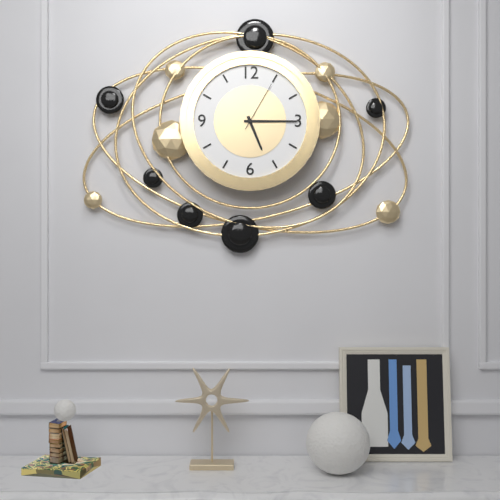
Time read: **5:15:05**
